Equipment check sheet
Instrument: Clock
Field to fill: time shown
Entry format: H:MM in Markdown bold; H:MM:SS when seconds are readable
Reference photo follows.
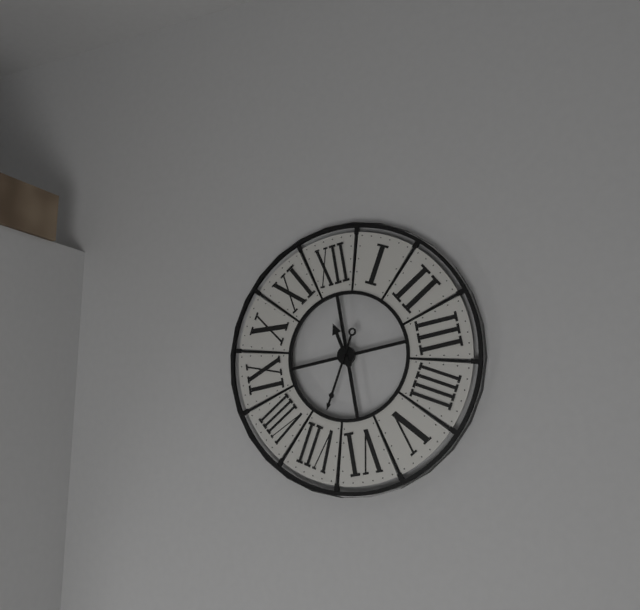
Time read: **11:35**
